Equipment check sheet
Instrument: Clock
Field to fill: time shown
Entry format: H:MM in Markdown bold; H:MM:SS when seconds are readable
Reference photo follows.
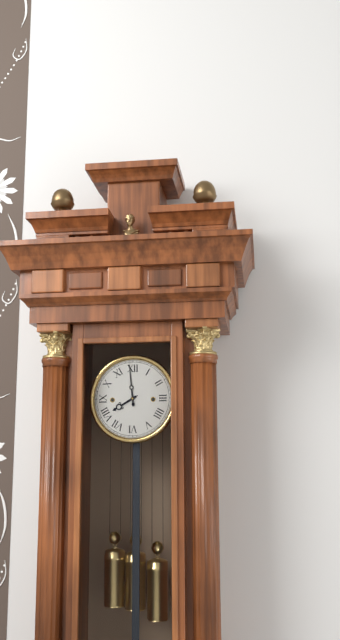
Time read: **7:59**
